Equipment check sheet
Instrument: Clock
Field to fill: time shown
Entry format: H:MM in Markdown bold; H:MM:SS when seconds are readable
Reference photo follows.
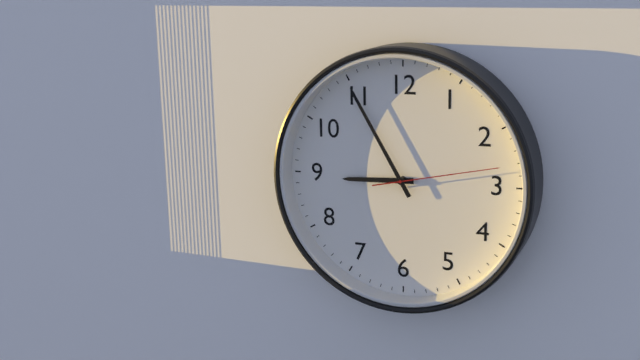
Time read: **8:55:13**
